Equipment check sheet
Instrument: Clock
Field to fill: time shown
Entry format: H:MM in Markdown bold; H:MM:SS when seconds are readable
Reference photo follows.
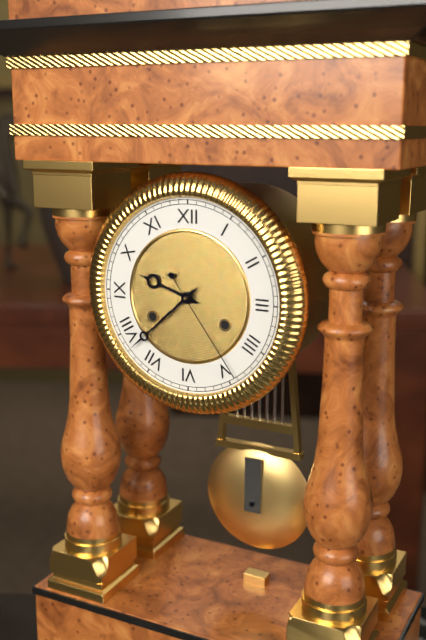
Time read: **9:38:24**
